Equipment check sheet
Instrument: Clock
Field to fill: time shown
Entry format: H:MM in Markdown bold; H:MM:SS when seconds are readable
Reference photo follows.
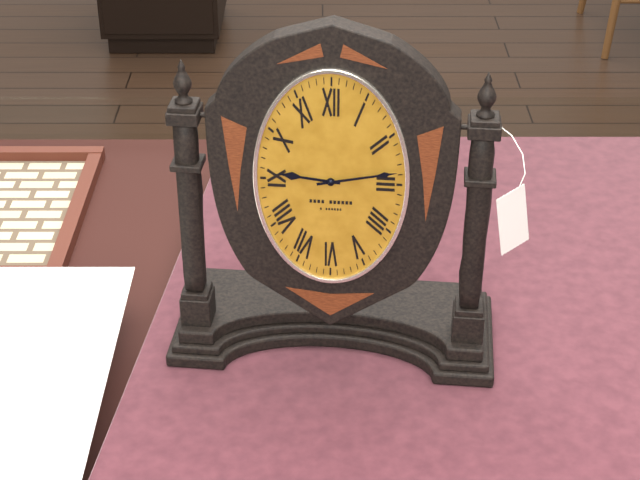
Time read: **9:13**
